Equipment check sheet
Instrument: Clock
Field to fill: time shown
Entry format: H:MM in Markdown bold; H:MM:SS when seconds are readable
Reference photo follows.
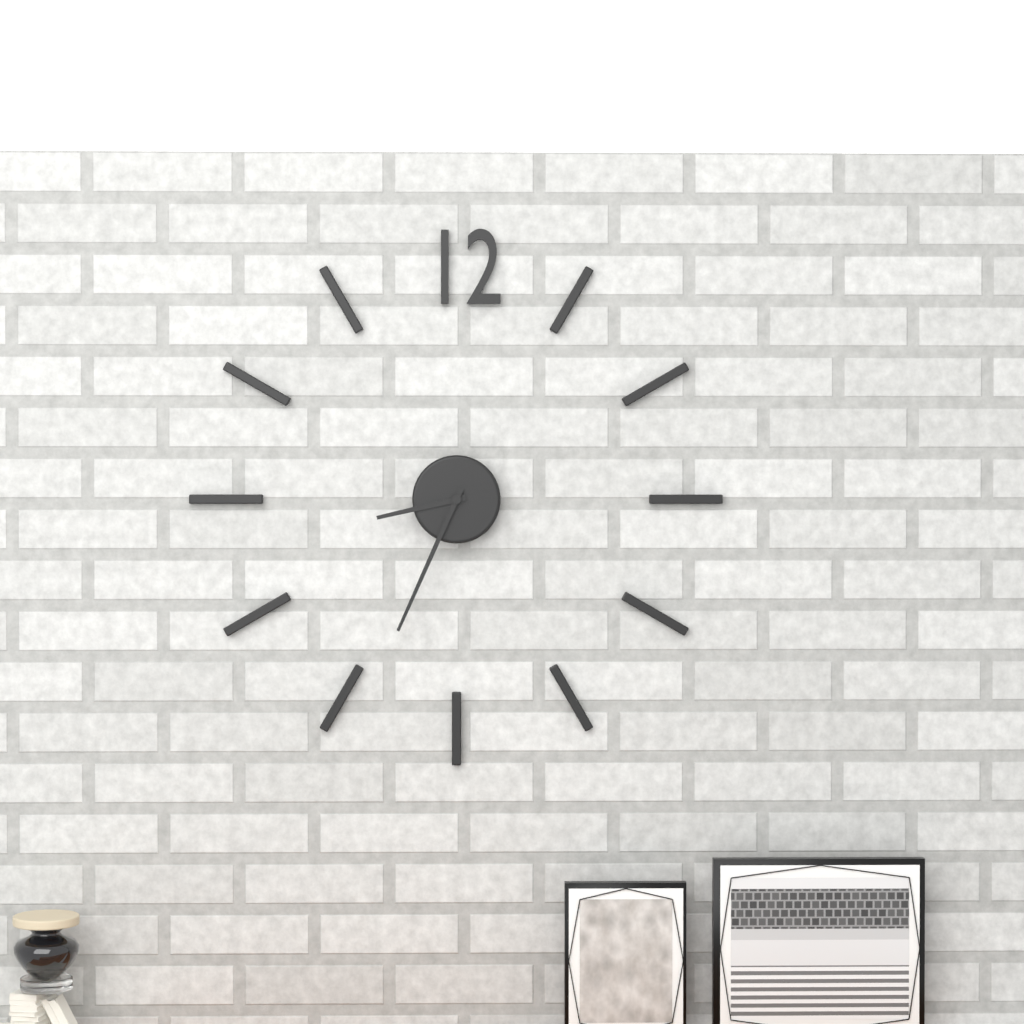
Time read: **8:34**
